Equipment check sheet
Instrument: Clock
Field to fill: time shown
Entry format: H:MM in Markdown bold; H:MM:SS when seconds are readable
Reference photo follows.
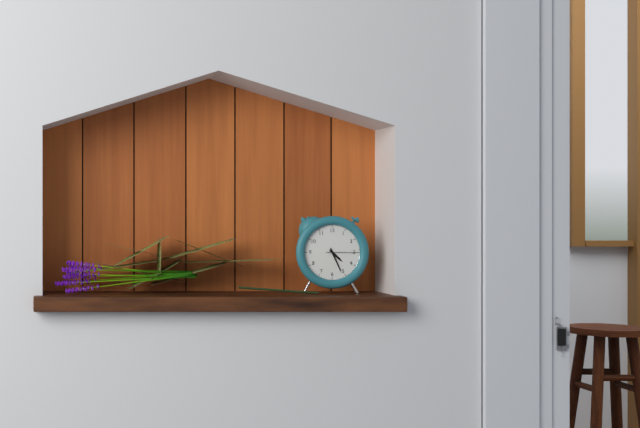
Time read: **4:26**
